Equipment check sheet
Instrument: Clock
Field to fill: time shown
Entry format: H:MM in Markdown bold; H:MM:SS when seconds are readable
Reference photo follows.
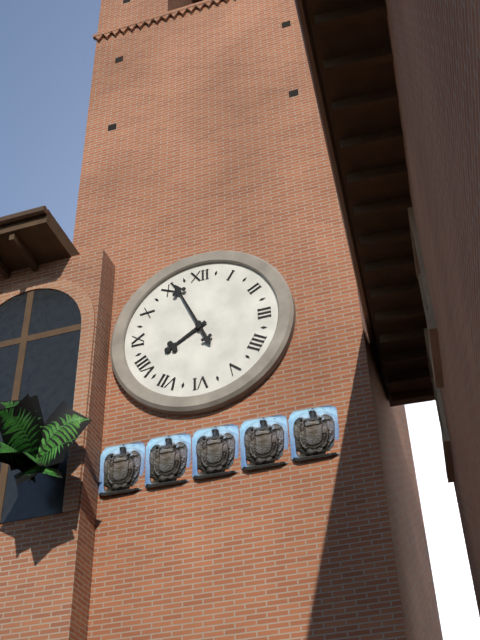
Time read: **7:56**
